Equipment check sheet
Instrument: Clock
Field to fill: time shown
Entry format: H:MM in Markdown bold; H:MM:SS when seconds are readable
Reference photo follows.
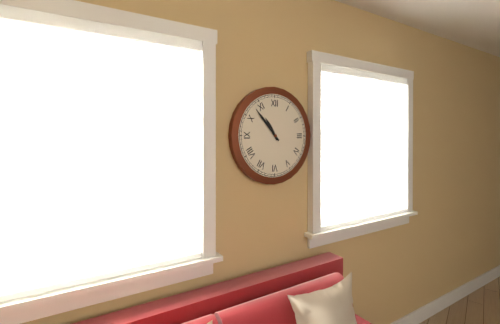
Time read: **10:53**
